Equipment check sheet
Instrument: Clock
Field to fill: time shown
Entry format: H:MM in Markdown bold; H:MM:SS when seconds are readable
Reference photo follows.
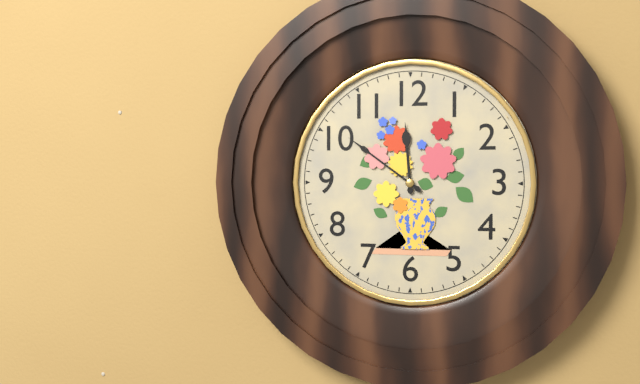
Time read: **11:51**
